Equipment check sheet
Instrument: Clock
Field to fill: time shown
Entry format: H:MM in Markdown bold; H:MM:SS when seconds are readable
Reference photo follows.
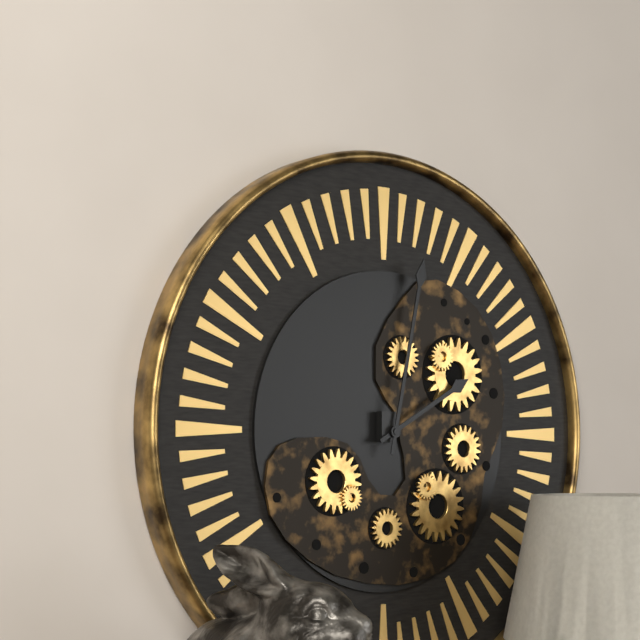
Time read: **2:02**
